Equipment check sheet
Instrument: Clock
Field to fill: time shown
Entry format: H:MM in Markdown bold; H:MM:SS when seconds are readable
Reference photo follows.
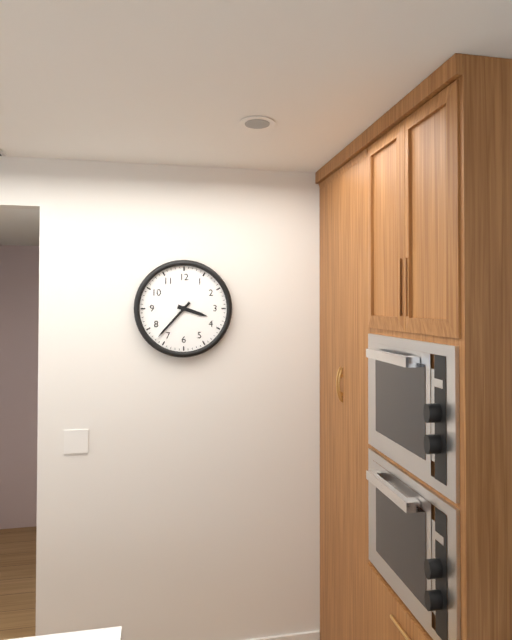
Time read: **3:37**
